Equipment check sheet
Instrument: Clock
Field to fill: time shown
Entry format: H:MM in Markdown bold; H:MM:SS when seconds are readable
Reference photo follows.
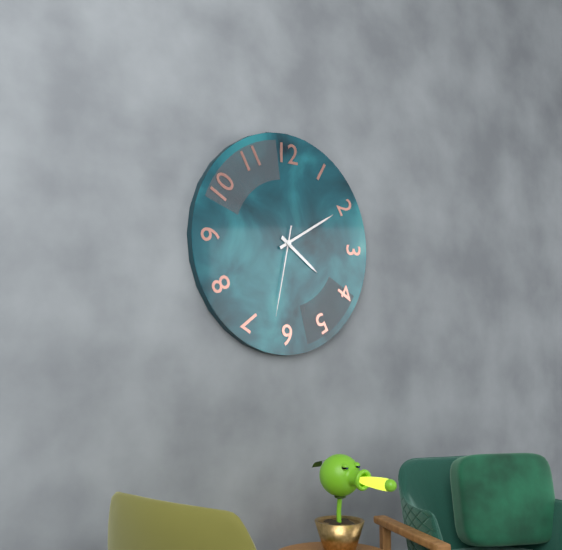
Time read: **4:10:32**
